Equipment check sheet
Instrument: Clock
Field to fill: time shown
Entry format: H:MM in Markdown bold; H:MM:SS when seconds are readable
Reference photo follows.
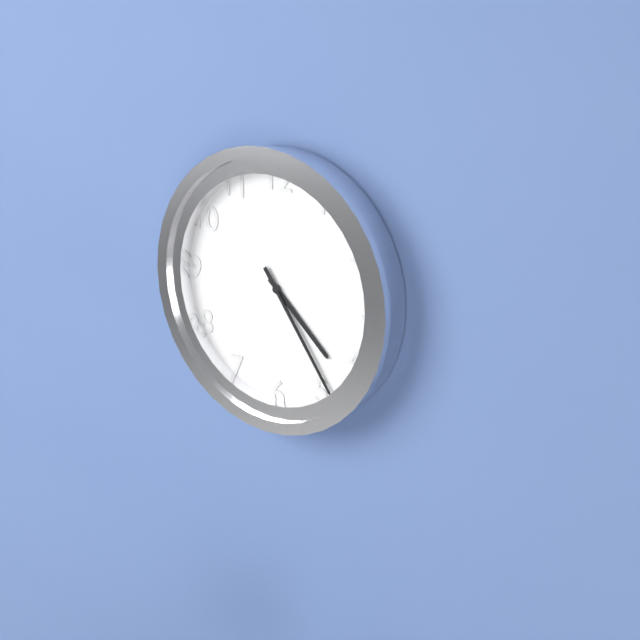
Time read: **4:24**
